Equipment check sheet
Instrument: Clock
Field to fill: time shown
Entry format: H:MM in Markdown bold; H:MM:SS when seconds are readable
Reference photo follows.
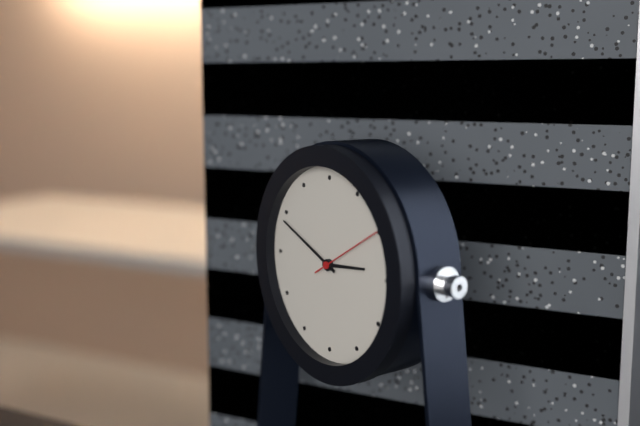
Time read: **2:49:10**
